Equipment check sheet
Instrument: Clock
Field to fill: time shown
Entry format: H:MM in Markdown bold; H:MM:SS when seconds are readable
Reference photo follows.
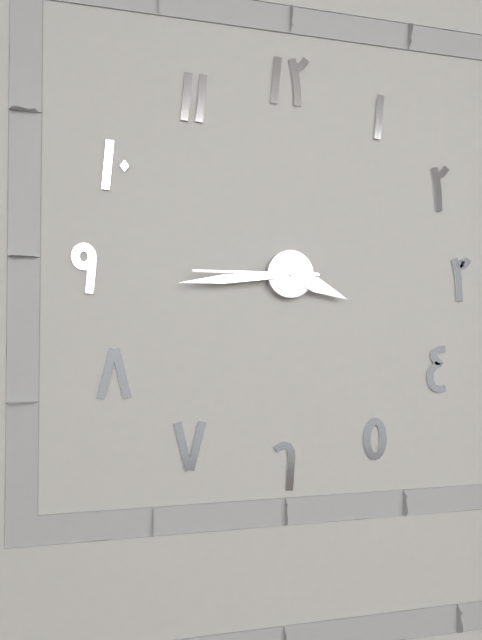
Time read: **3:44:45**
